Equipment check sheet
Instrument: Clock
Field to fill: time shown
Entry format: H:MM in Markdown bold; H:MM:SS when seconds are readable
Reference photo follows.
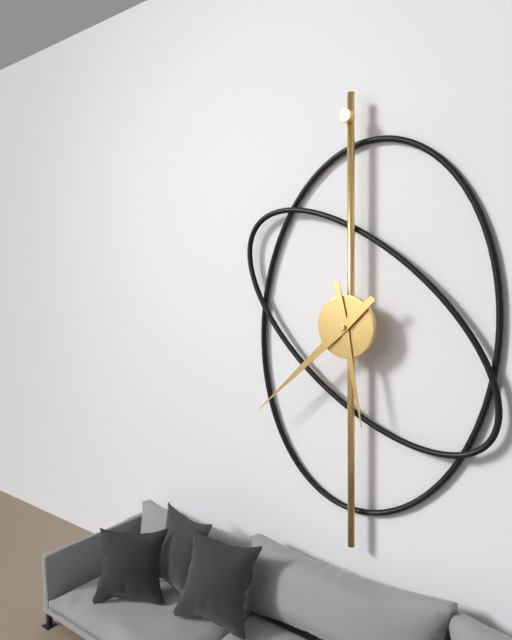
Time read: **5:38**
